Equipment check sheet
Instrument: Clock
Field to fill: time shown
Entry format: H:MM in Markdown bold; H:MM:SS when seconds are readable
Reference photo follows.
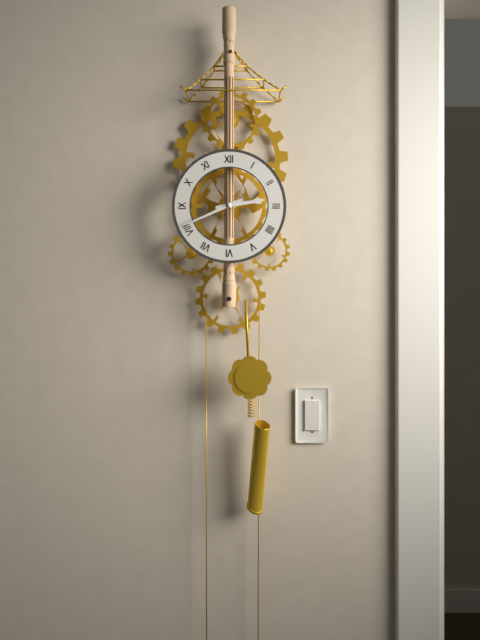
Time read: **2:41**
